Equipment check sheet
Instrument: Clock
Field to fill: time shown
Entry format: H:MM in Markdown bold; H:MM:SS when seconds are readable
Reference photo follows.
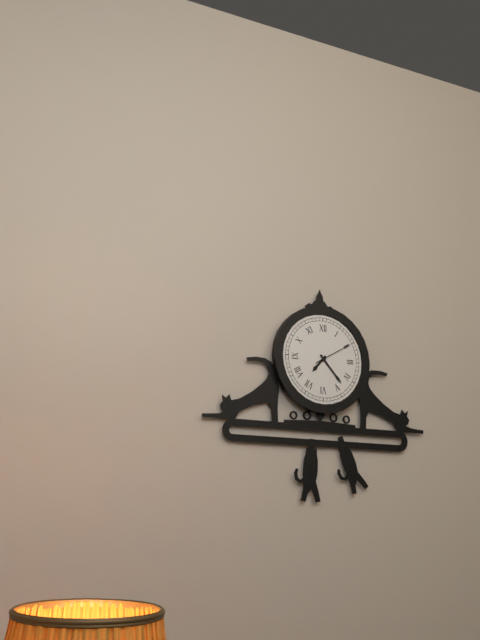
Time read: **7:23**
